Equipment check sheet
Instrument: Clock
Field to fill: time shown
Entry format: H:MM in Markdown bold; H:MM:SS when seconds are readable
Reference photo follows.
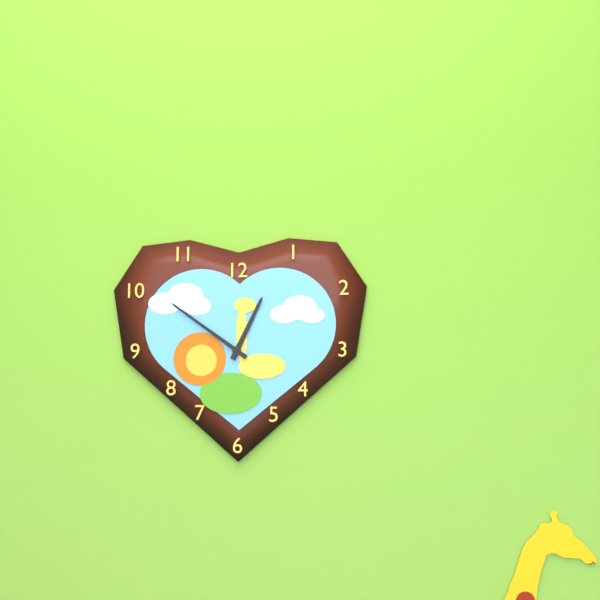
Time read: **12:51**
